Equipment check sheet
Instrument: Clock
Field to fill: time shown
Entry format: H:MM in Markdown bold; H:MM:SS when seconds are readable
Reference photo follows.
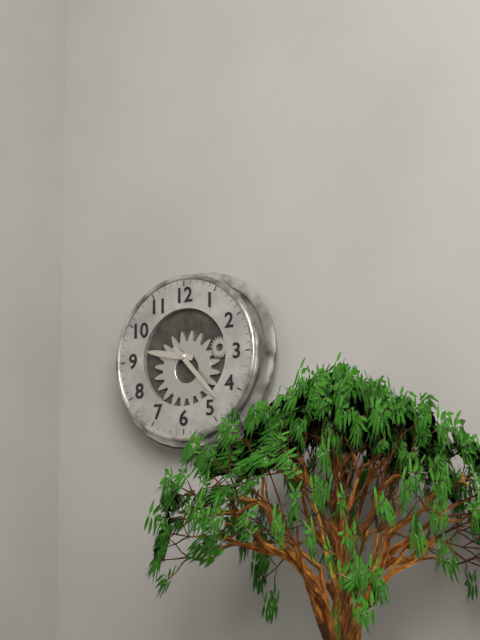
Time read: **9:23**
